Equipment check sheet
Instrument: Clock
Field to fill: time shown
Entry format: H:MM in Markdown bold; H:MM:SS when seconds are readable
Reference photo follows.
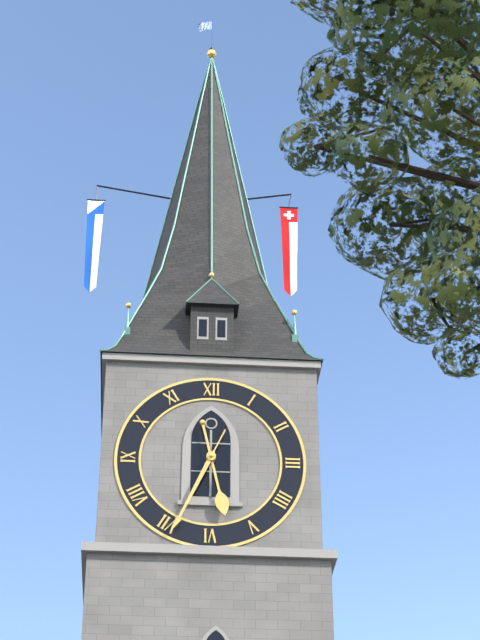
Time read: **5:34**
